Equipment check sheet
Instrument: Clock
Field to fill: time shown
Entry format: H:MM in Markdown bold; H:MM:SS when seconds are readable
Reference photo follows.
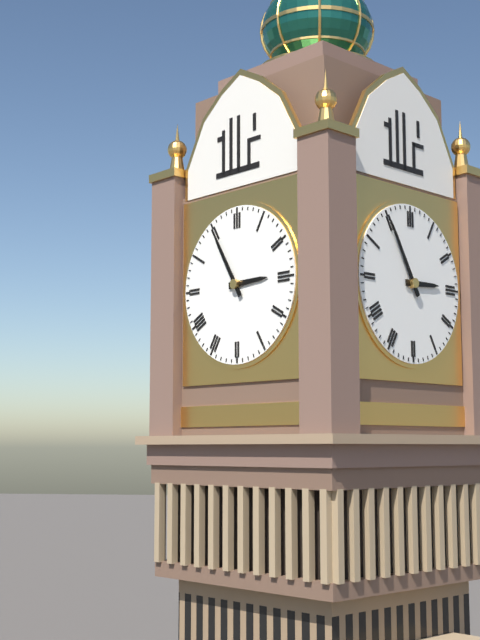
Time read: **2:55**
